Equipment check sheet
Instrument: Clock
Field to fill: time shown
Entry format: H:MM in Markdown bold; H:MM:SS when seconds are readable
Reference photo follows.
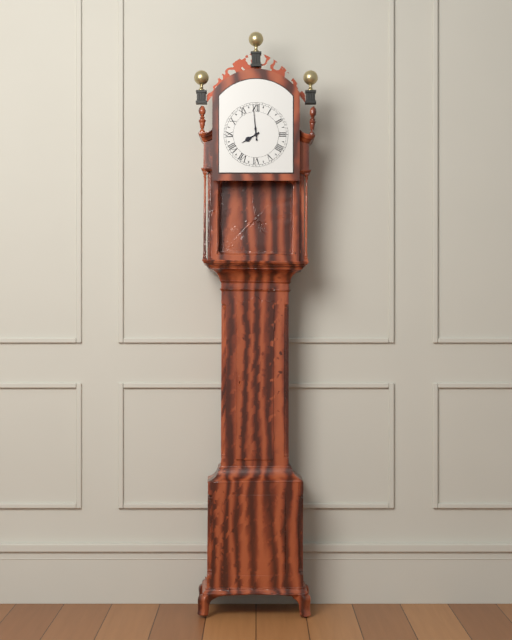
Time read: **7:59**
